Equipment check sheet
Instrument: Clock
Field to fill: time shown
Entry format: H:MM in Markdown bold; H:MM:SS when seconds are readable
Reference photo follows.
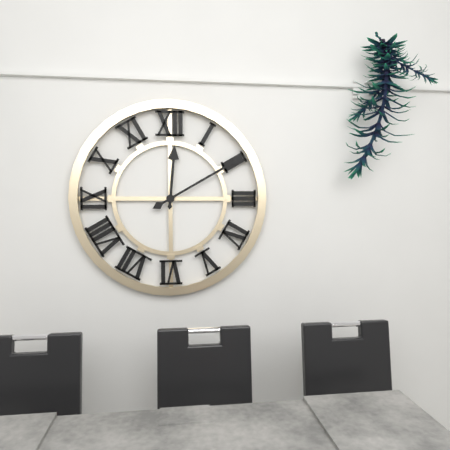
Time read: **12:10**
